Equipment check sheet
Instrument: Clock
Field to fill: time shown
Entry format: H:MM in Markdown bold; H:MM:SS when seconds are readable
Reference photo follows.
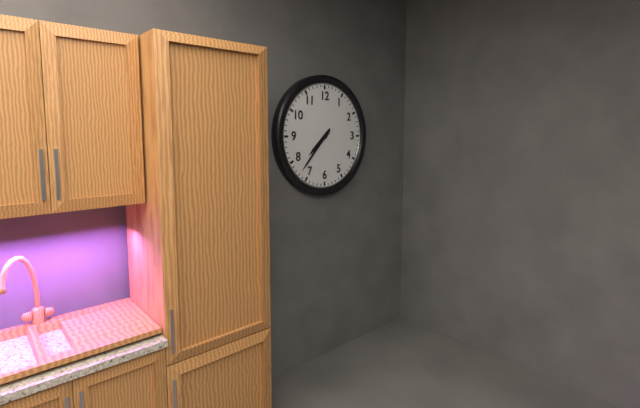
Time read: **7:37**
